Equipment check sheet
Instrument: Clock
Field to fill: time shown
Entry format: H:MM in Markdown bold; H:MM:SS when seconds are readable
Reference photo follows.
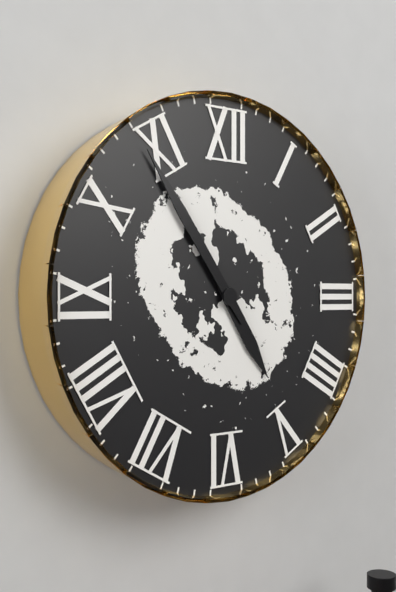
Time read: **4:54**
